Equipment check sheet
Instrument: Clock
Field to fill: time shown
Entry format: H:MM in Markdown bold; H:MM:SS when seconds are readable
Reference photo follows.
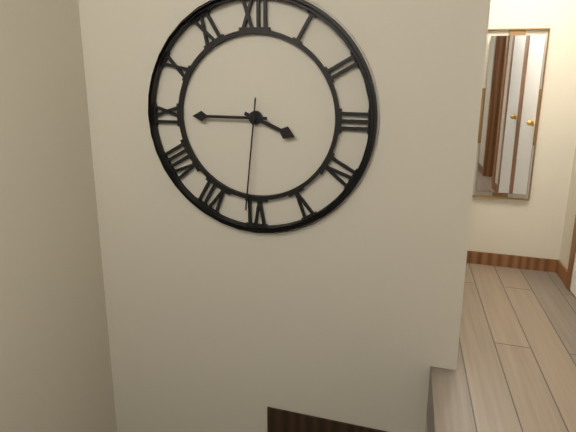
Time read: **3:45:31**
